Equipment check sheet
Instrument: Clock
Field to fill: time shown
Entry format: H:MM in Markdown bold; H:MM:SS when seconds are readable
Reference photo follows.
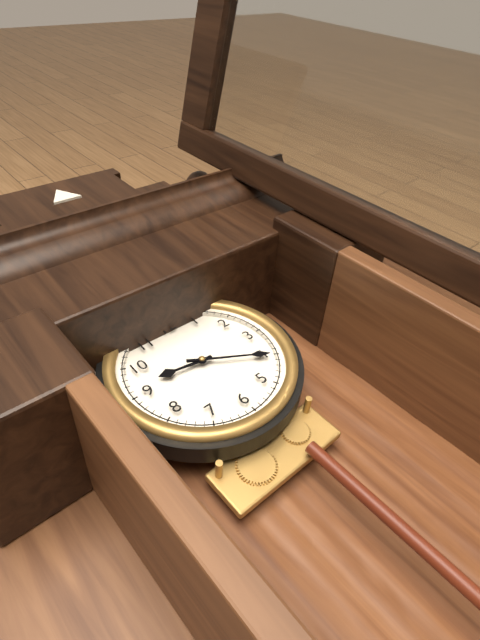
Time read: **9:20**
